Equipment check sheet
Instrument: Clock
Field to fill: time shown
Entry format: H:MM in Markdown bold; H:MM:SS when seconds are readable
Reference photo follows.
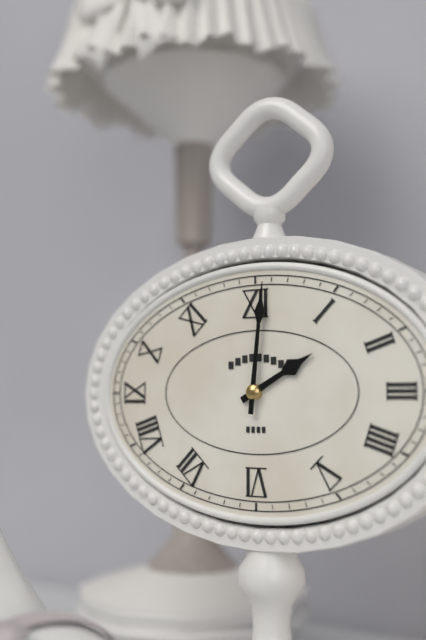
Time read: **2:01**
